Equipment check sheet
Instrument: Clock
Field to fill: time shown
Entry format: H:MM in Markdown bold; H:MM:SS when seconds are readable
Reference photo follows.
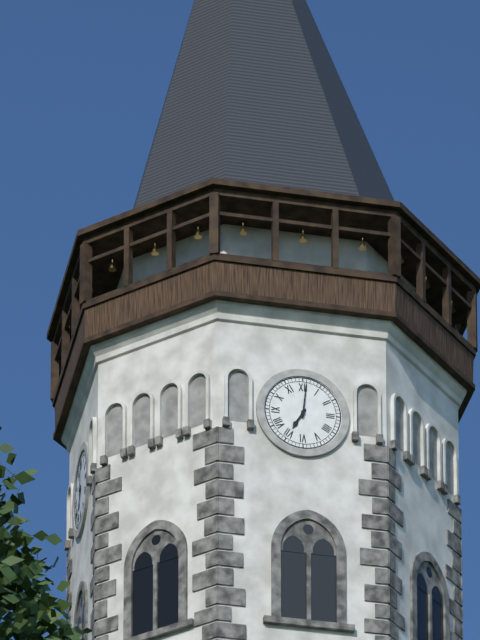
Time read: **7:01**
